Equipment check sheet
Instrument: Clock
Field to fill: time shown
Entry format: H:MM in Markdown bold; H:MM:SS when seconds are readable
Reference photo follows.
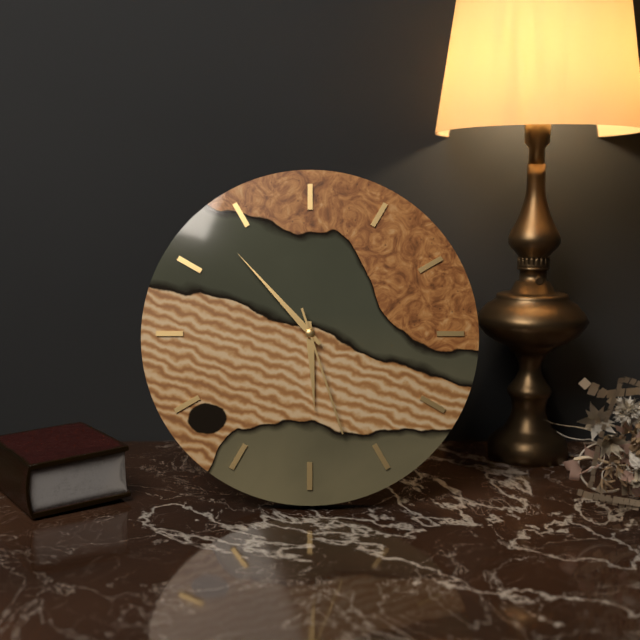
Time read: **5:53:27**
